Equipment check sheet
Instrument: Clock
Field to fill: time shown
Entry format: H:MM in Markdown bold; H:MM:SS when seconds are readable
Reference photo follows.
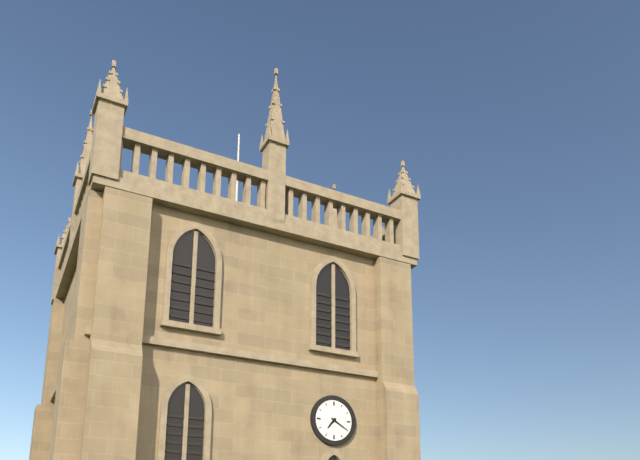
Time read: **7:20**
